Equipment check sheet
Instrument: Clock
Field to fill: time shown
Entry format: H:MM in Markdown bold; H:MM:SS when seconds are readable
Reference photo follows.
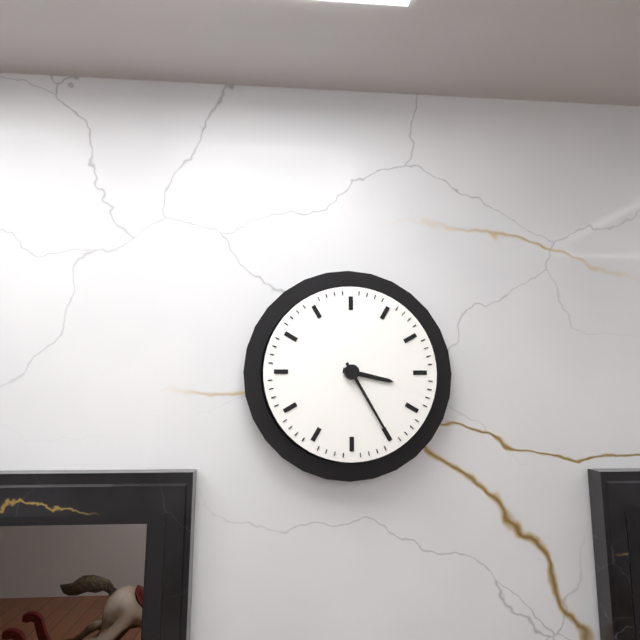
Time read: **3:25**
